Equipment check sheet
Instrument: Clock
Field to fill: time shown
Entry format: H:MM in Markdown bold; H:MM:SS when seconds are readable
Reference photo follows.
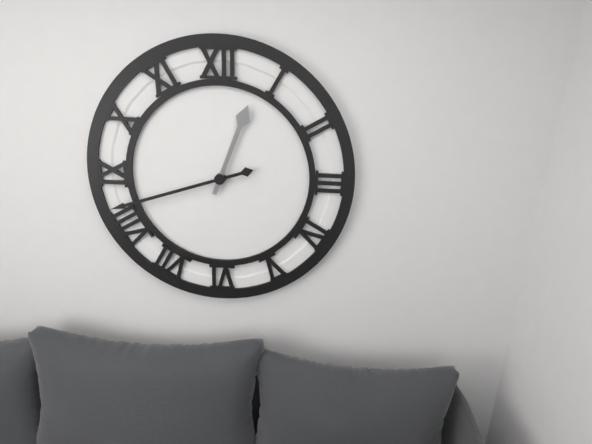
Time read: **12:42**
